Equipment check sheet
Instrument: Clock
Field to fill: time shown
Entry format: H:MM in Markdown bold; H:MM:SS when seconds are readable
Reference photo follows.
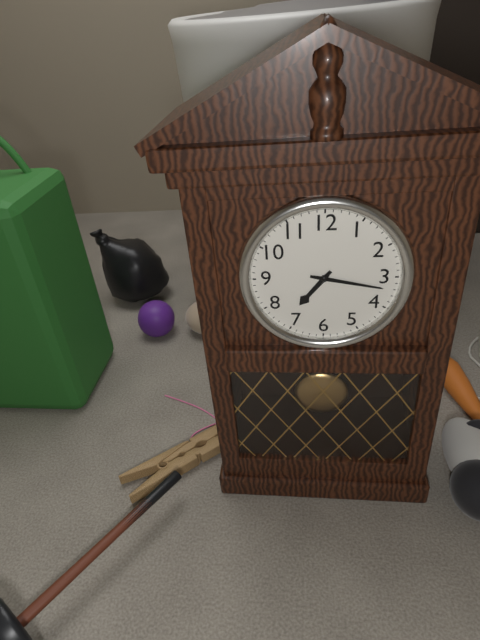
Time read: **7:17**
